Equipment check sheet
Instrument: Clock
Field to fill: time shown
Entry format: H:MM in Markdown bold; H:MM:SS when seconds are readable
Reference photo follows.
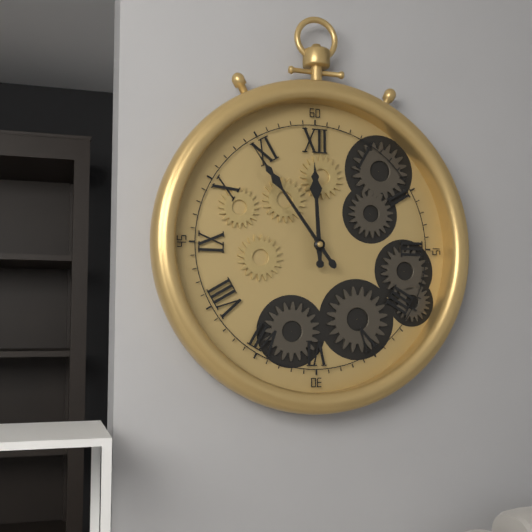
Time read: **11:54**
